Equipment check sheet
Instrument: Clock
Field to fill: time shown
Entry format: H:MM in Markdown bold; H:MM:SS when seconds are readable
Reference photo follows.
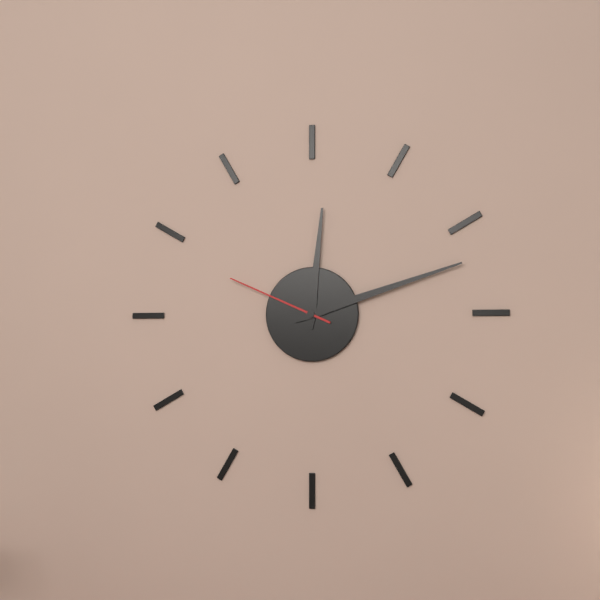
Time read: **12:12:49**
